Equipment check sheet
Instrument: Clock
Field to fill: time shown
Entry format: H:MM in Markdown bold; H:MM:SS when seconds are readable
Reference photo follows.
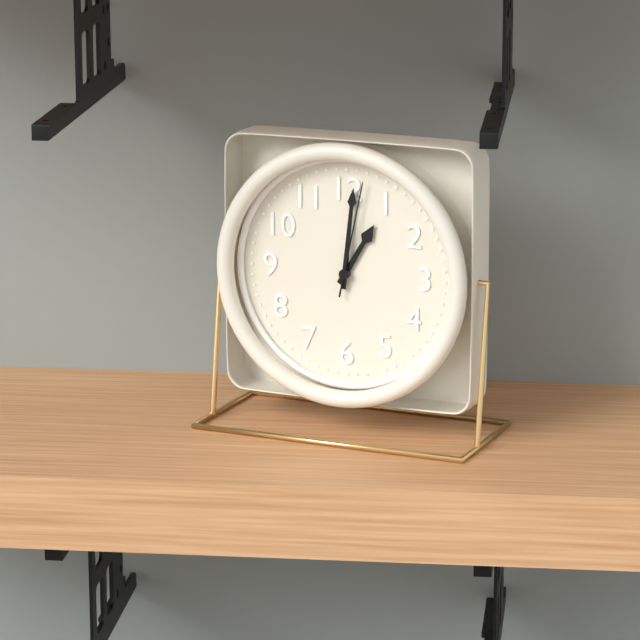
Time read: **1:01:02**
